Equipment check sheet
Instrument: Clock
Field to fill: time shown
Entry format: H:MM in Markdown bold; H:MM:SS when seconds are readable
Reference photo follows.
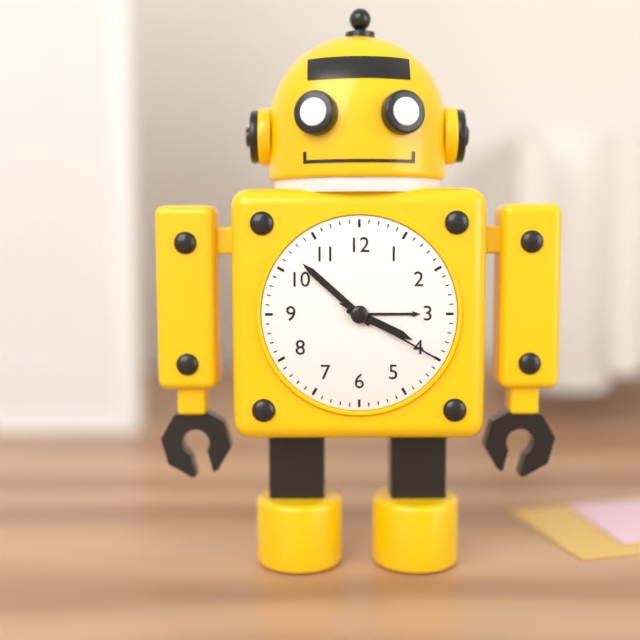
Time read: **3:52:20**
